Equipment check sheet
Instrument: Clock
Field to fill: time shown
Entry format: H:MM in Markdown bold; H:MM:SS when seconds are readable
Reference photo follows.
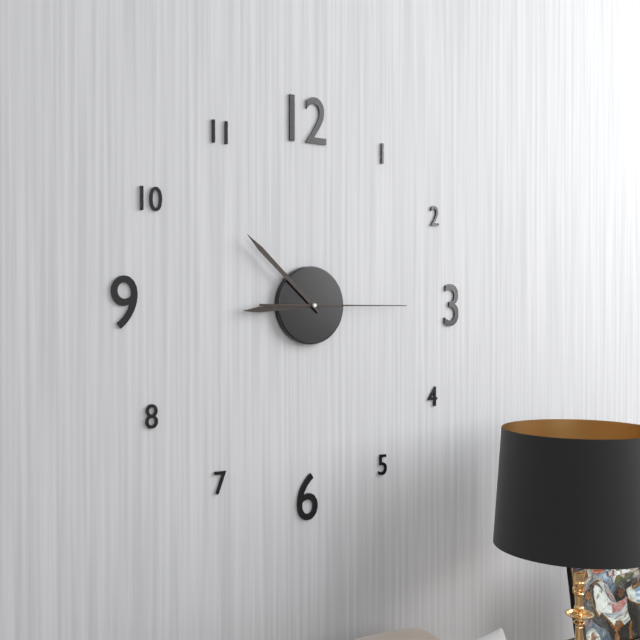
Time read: **8:52:15**
